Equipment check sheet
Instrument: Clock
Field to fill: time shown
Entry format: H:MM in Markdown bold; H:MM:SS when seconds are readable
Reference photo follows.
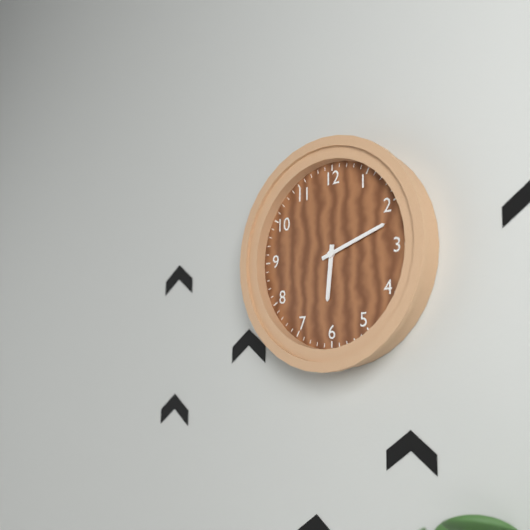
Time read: **6:12**
